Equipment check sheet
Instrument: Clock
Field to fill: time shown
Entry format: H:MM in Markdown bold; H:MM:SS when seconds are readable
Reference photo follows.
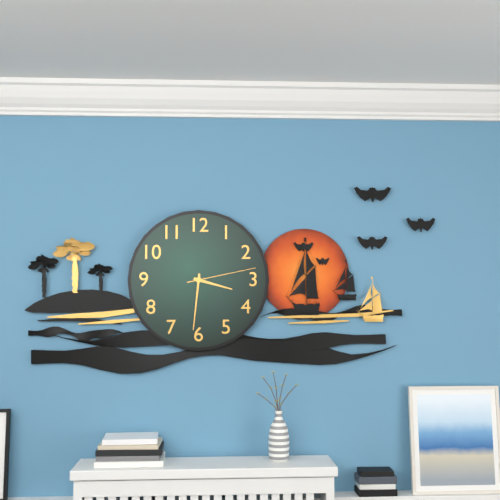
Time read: **3:31:13**
